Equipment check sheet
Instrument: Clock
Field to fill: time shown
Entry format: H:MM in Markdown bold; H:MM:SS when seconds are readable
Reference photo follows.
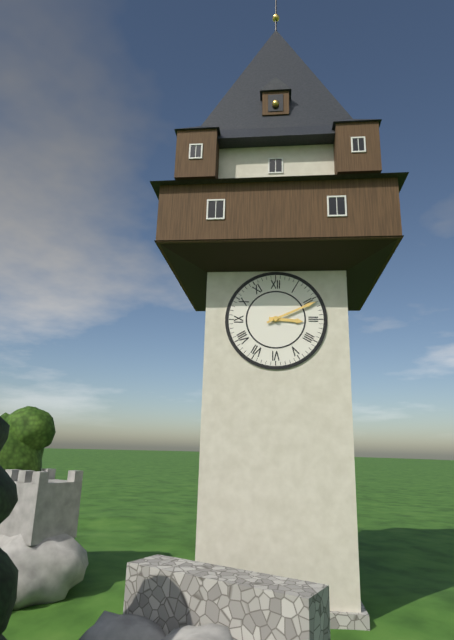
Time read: **3:11**
